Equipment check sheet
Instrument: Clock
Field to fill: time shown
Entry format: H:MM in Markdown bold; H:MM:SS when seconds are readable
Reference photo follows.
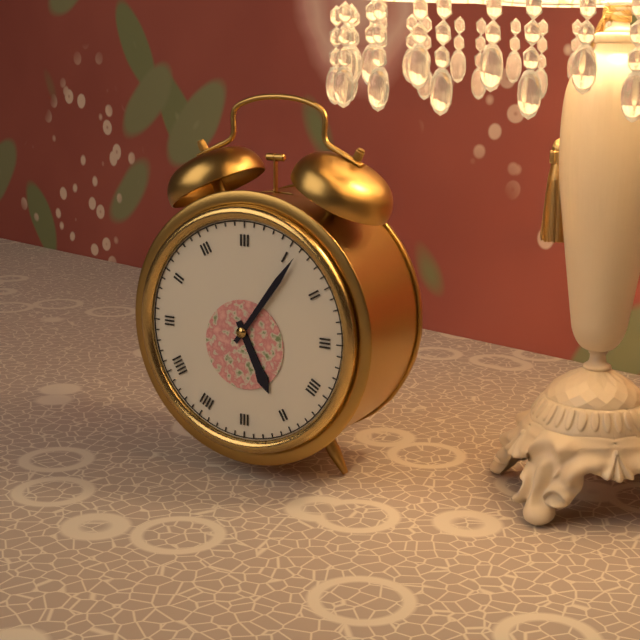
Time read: **5:06**
